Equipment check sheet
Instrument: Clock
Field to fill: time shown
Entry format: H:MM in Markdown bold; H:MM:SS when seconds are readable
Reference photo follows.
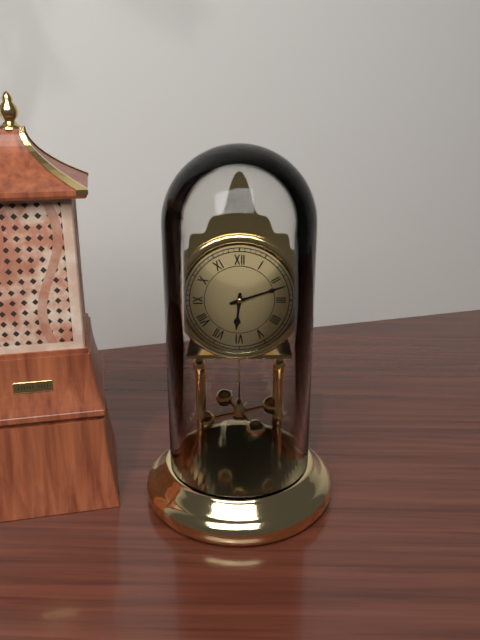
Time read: **6:12**
